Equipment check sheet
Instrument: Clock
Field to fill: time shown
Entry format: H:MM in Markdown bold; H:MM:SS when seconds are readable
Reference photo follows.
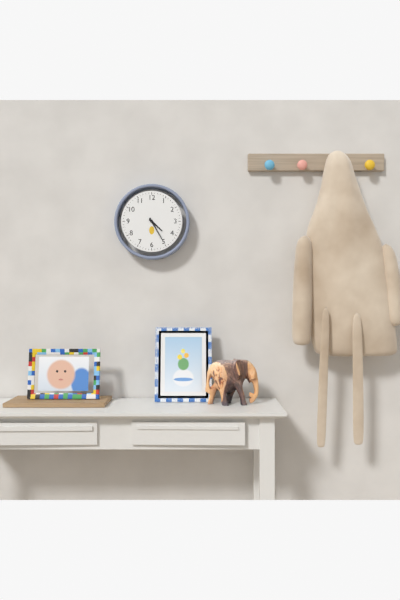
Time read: **4:25**
